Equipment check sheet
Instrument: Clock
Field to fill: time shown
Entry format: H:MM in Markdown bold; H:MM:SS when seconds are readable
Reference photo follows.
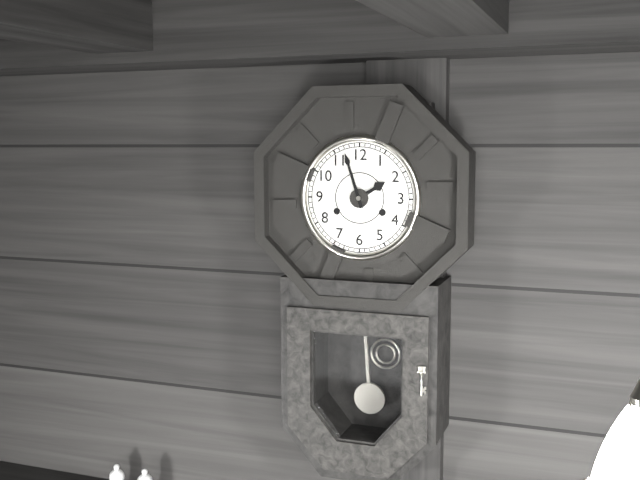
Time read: **1:57**
